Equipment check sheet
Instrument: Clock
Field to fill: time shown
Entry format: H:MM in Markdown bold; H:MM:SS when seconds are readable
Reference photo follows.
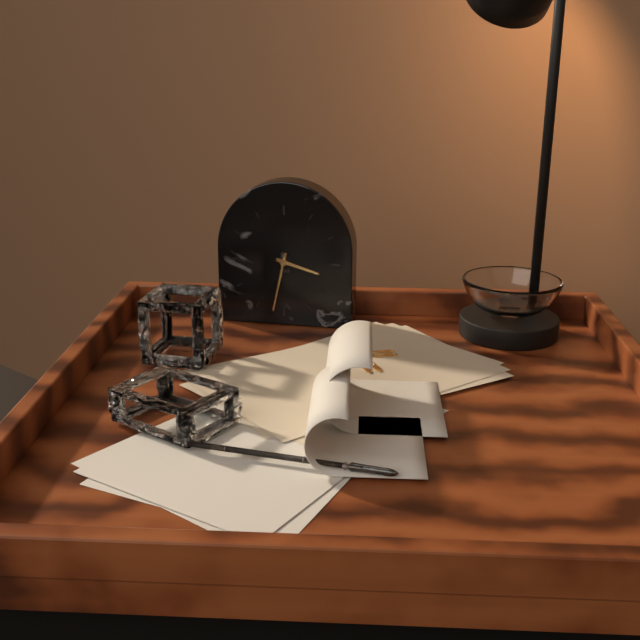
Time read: **3:32**
